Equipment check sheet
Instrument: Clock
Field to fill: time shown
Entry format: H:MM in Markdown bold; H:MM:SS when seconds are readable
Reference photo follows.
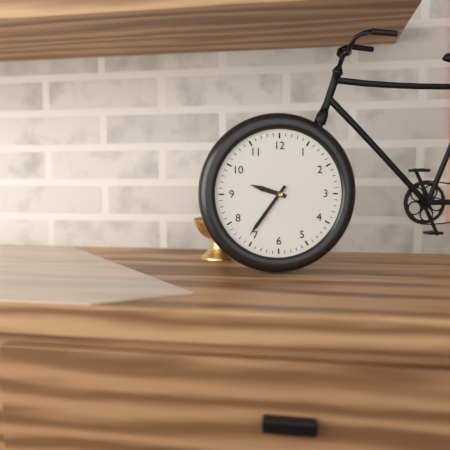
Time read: **9:36**
